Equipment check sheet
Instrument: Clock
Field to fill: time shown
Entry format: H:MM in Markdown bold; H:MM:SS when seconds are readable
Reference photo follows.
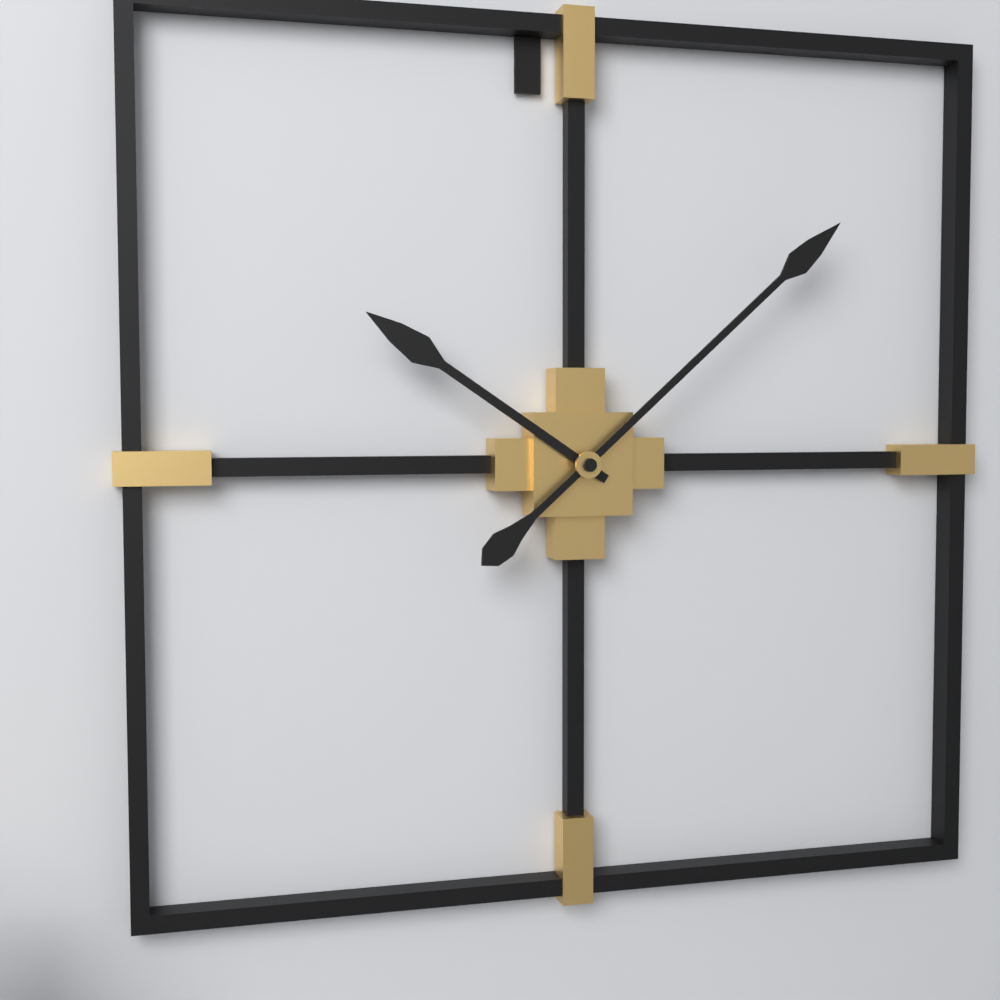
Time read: **10:08**
